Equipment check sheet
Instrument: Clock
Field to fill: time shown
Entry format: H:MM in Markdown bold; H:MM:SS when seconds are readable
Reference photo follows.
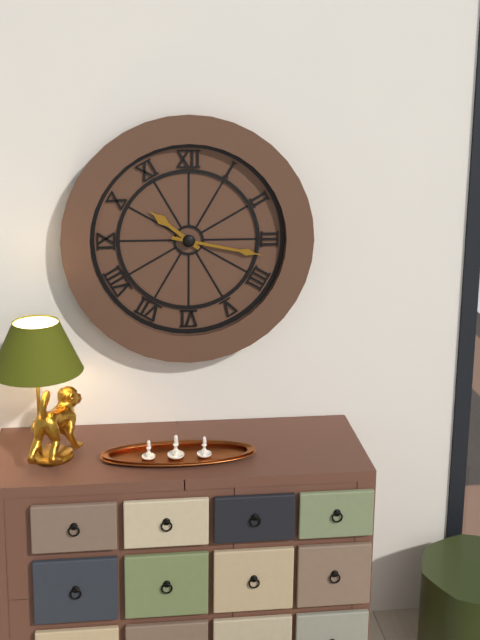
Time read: **10:17**
